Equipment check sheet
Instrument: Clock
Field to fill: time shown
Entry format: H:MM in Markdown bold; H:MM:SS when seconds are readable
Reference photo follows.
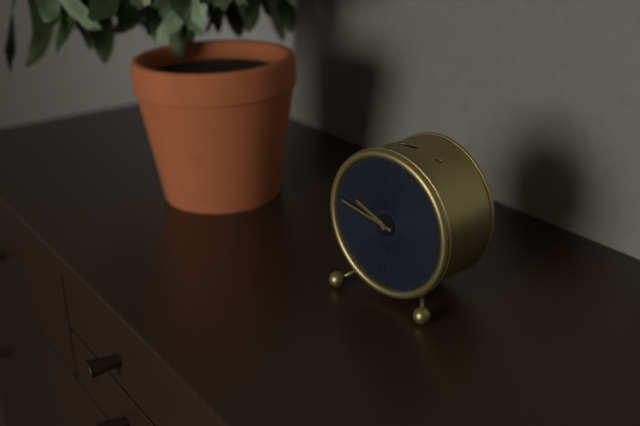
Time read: **9:47**
